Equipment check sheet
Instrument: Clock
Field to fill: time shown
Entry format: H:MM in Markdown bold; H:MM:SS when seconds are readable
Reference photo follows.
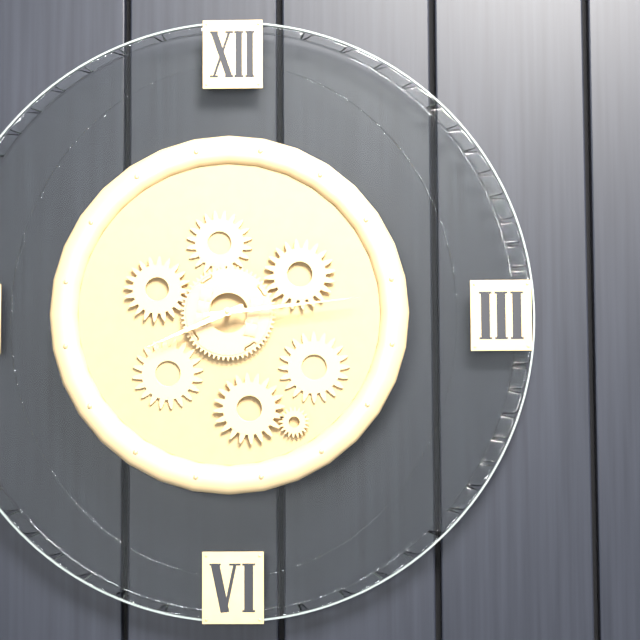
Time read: **8:14**
